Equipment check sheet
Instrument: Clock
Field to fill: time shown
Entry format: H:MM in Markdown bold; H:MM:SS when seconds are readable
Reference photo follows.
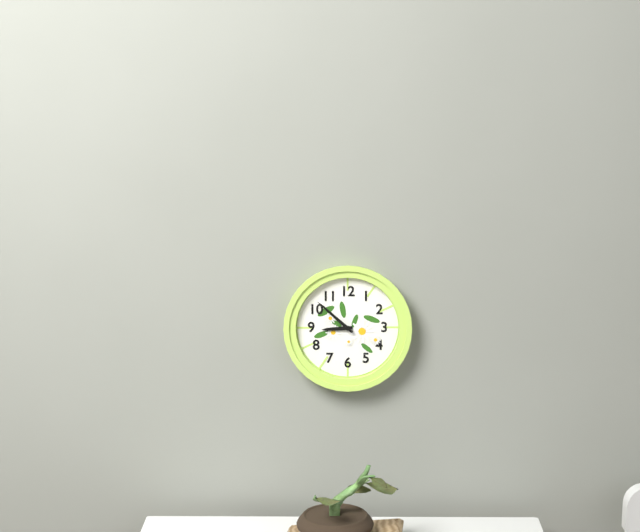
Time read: **8:52**
